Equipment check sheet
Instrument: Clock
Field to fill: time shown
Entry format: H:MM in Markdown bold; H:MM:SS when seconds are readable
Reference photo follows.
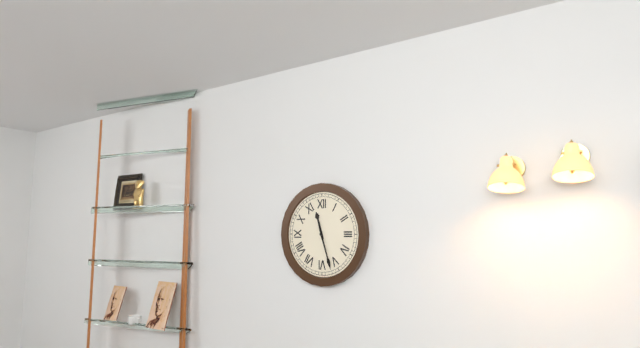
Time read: **11:27**
